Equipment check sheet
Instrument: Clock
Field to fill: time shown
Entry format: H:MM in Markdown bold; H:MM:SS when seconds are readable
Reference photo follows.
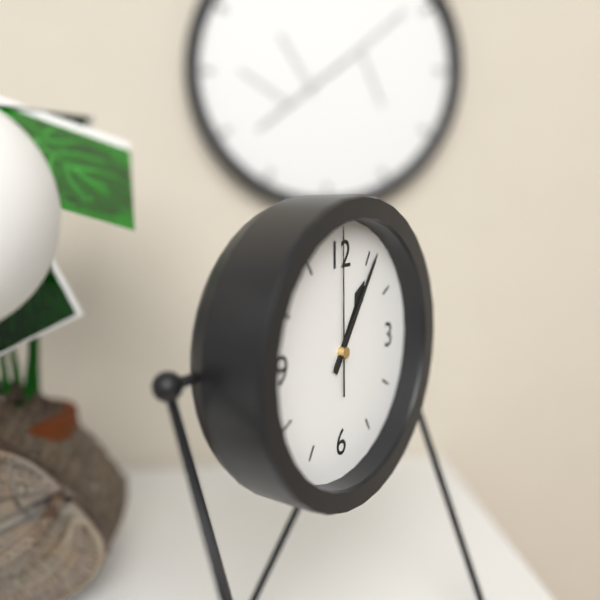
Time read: **1:06:00**
